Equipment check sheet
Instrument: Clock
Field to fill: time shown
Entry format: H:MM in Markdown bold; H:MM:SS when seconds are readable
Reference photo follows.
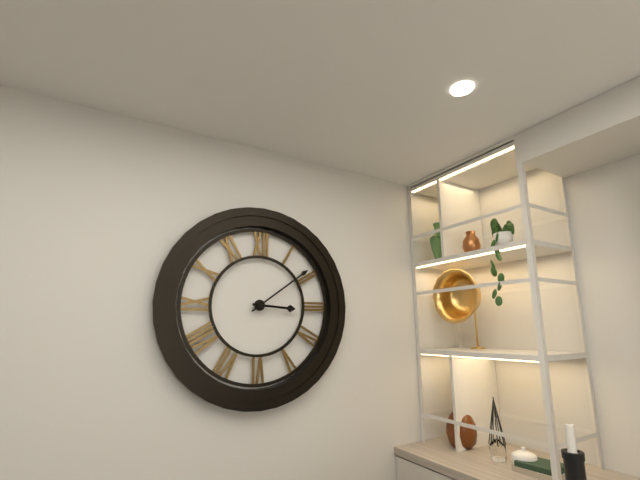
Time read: **3:09**
